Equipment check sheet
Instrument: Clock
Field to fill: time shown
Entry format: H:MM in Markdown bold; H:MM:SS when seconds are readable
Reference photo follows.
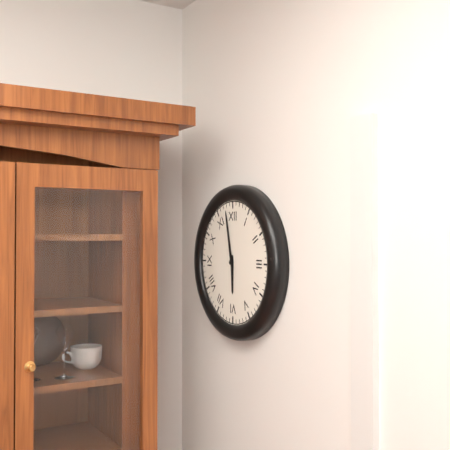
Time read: **5:58**
